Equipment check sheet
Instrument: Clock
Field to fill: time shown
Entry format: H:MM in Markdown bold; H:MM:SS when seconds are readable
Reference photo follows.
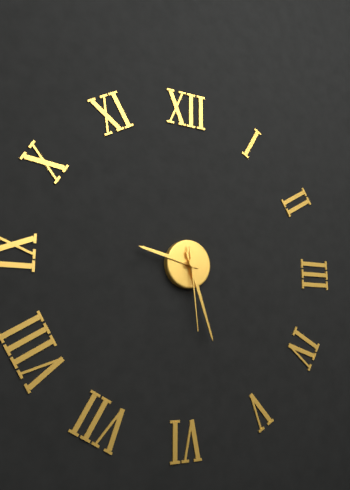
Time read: **9:27:29**
